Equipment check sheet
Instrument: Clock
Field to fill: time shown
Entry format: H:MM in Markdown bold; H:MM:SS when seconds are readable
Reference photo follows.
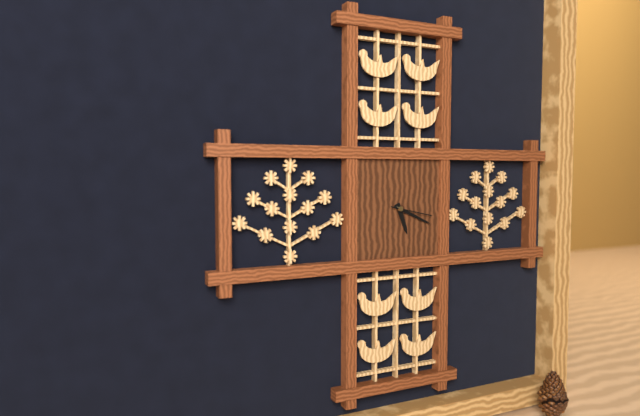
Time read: **5:19**
